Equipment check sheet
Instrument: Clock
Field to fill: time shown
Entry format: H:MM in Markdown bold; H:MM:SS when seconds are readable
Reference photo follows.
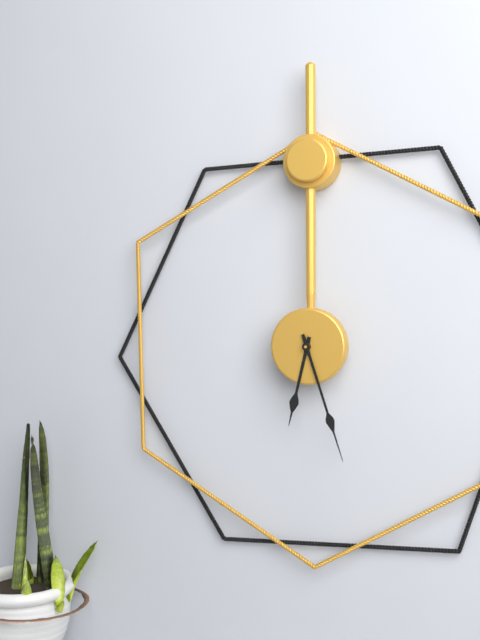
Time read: **6:27**
